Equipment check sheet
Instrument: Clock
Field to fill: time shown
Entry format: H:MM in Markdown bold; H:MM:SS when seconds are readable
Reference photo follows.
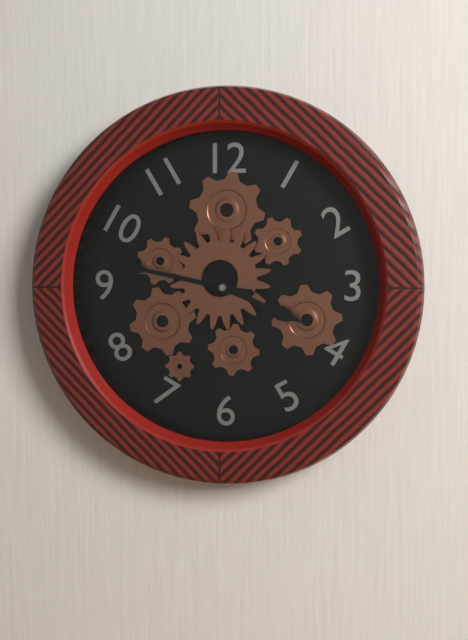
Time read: **3:47**
